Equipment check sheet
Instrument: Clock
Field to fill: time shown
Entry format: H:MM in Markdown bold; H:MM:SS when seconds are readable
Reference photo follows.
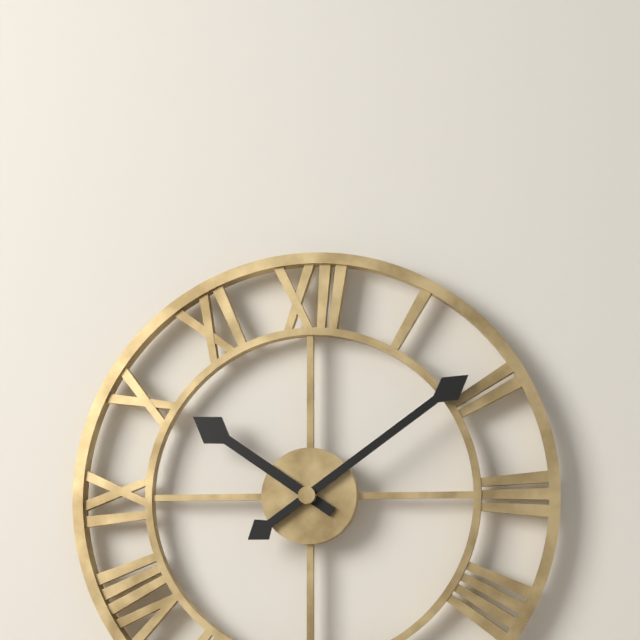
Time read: **10:09**
